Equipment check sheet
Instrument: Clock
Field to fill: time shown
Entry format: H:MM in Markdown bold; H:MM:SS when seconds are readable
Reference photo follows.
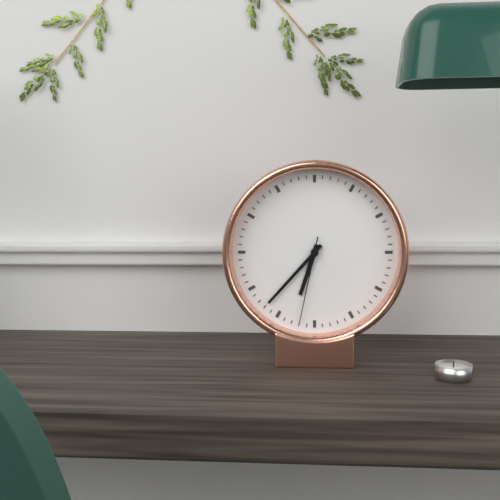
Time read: **6:37:32**
